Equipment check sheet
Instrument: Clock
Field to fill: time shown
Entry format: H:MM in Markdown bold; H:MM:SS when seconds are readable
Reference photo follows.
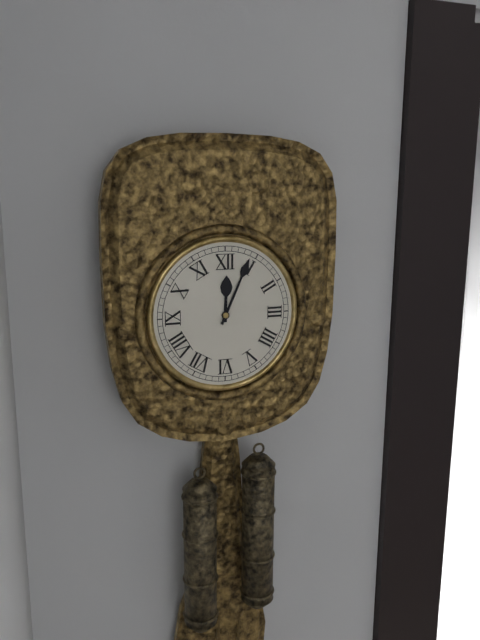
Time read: **12:04**
